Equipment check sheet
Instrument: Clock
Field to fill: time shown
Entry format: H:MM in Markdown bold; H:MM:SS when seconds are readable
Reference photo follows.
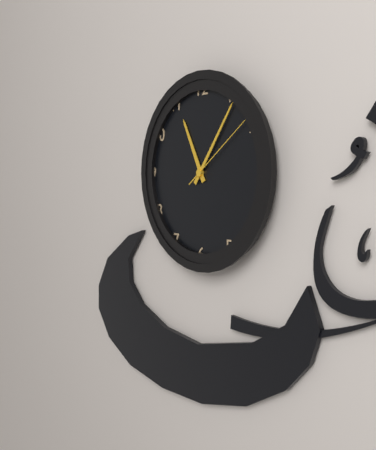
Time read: **11:06:09**
